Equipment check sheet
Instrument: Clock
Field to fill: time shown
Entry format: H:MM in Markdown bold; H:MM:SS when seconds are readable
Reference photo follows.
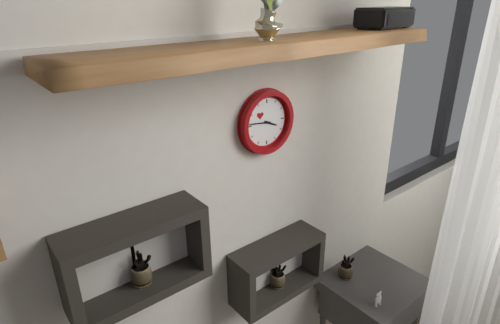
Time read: **3:46**
